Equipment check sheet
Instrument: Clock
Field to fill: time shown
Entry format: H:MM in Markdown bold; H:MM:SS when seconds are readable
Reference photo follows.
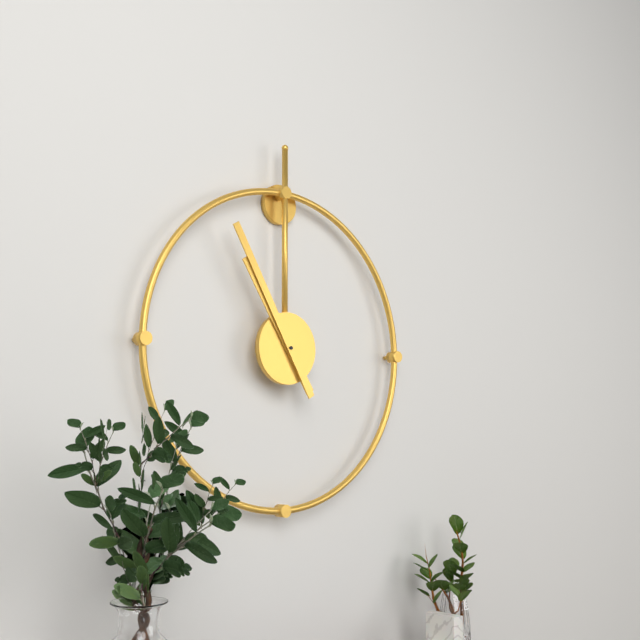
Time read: **10:55**
